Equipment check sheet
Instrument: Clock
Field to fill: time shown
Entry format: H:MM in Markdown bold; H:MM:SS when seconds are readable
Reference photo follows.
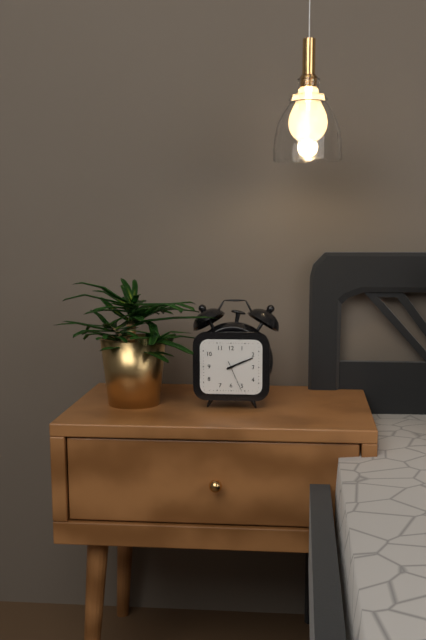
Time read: **2:11**
